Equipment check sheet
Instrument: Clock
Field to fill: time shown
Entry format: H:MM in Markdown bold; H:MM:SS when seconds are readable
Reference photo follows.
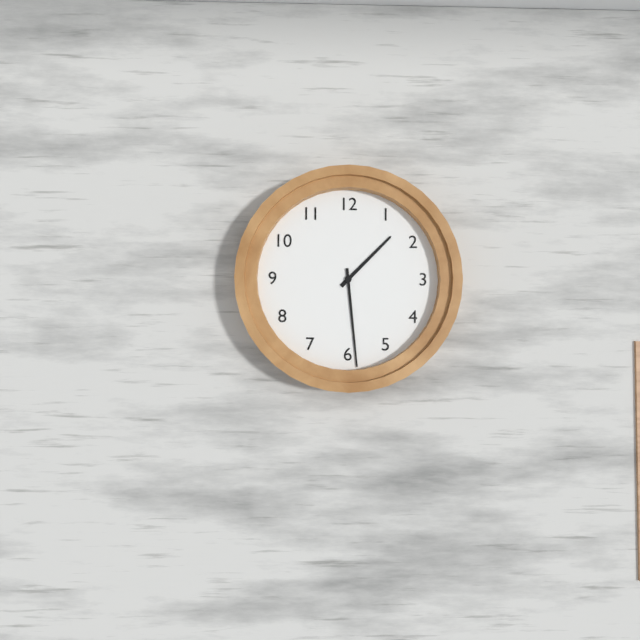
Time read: **1:29**
